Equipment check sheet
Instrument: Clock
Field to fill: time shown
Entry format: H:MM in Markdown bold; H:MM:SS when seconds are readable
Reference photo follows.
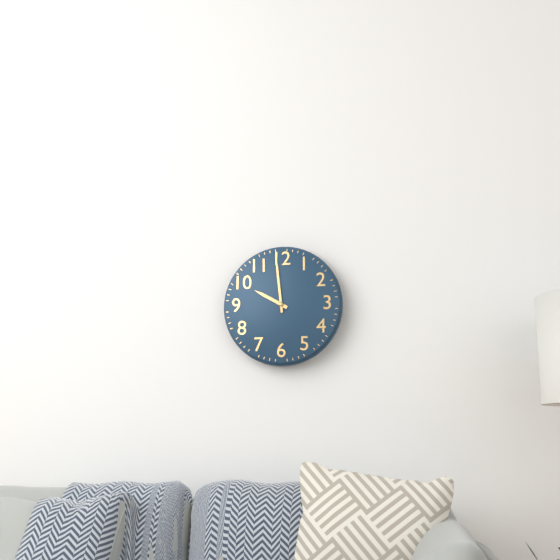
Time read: **9:59**
